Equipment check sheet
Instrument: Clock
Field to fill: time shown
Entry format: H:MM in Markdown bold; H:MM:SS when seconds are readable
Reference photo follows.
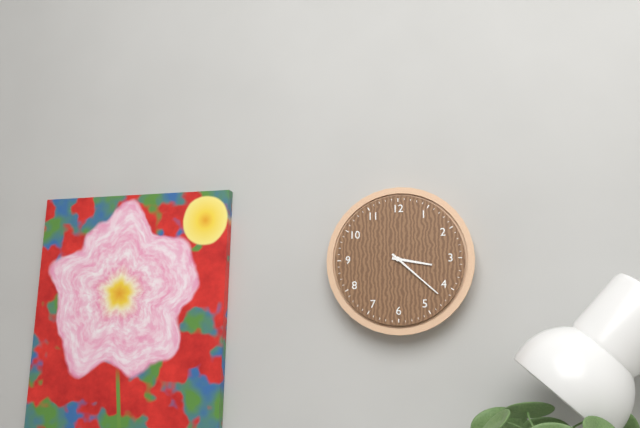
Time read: **3:22**
